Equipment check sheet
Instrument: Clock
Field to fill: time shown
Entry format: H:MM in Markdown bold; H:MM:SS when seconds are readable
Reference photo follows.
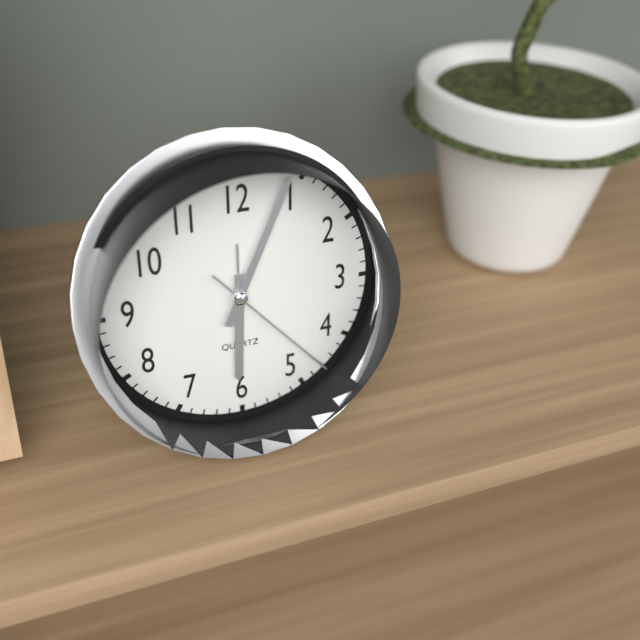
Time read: **6:04:23**
